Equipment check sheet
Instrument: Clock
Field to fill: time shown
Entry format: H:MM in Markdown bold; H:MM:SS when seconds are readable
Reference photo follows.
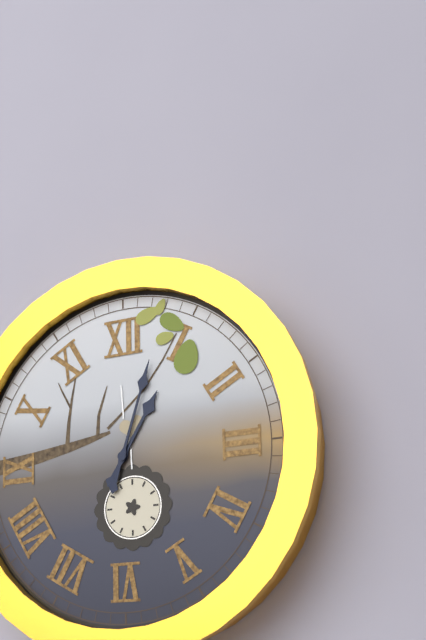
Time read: **1:03**
